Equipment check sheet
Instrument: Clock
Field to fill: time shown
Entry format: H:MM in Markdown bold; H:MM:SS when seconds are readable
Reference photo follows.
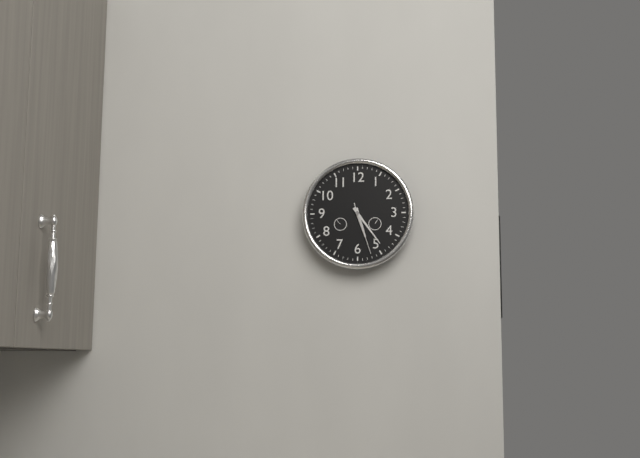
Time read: **5:24:27**
